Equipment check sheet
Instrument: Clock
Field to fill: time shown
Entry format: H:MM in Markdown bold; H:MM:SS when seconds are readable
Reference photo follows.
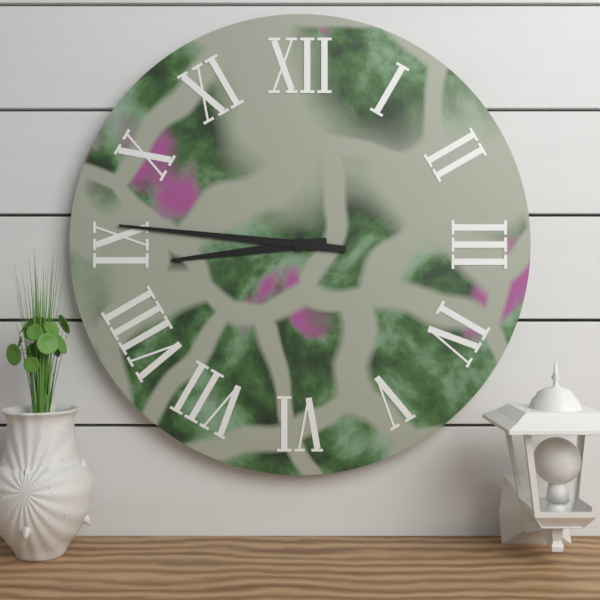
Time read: **8:46**
